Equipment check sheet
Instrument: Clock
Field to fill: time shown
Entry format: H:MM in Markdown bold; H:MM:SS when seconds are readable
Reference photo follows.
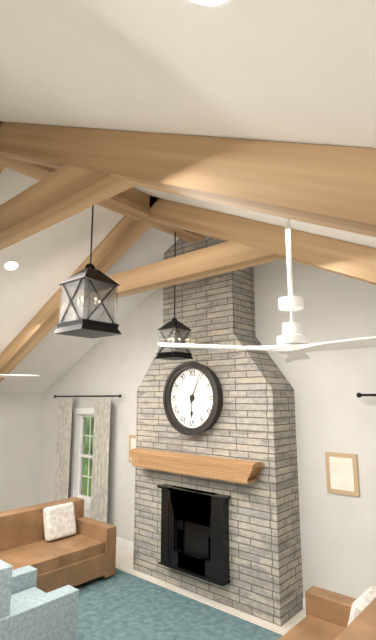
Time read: **6:04**
